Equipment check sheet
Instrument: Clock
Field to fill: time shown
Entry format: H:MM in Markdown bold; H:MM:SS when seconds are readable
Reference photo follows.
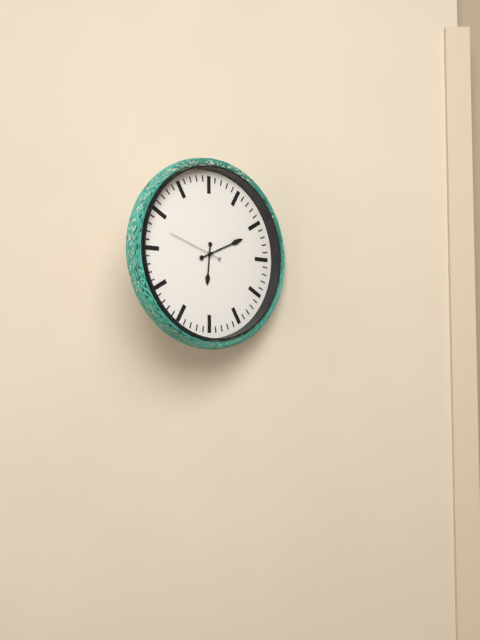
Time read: **6:11:48**
